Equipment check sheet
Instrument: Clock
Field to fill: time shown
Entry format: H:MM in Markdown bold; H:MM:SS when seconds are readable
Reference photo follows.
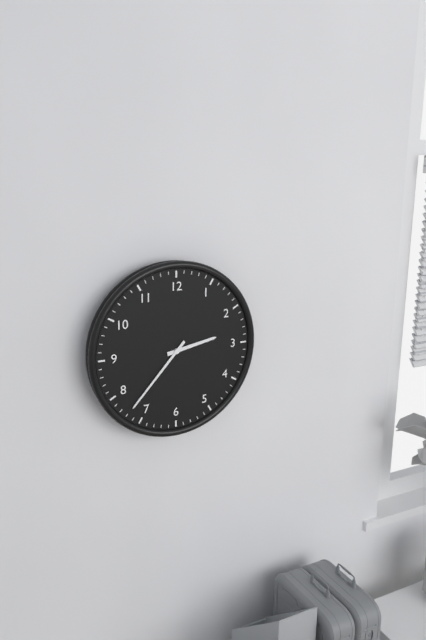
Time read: **2:37**
